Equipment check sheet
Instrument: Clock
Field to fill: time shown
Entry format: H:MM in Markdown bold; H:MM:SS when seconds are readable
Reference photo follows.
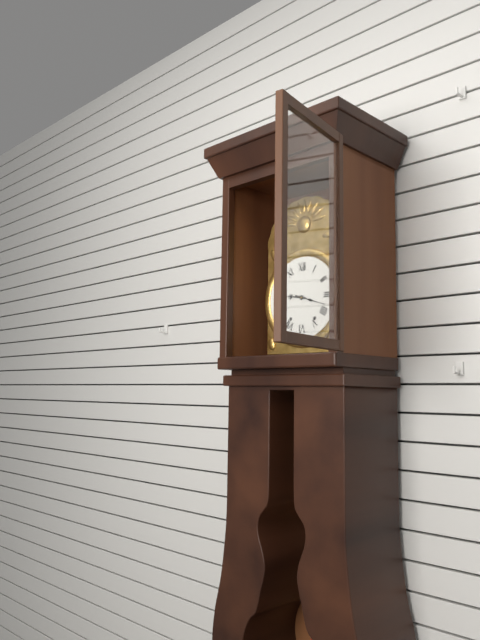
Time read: **9:18**
